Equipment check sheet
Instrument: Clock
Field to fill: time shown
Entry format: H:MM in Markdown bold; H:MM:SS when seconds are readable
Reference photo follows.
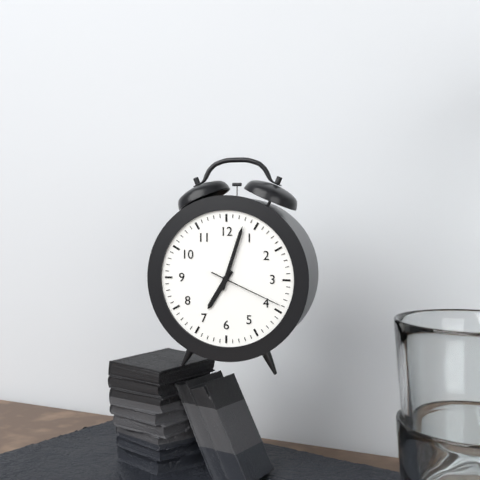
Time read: **7:03:19**
